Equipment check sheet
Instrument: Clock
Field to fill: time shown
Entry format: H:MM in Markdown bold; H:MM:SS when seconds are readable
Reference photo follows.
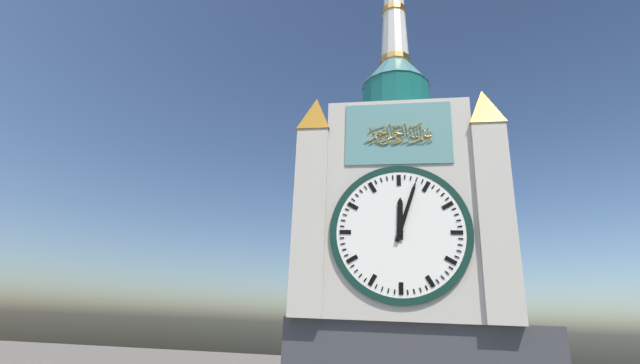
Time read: **12:03**
